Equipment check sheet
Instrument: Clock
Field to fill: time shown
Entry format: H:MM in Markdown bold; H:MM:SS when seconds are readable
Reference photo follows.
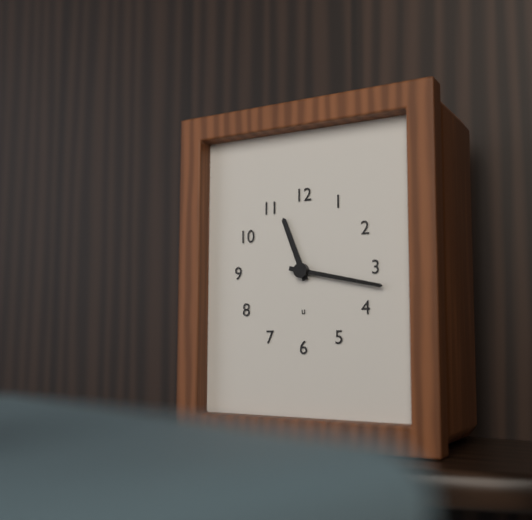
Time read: **11:17**
